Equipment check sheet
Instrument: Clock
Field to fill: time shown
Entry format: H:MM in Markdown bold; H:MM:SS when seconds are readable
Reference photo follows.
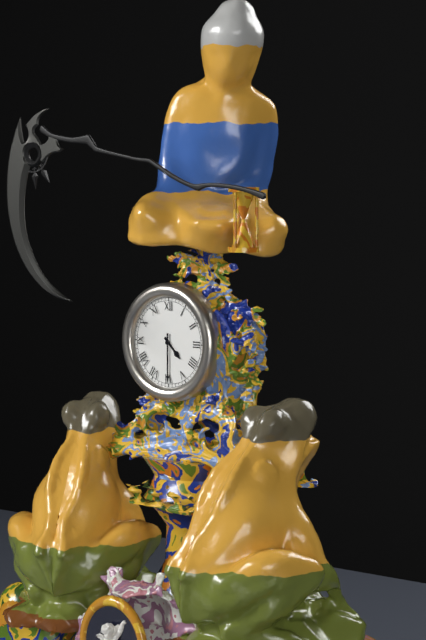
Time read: **4:30**
